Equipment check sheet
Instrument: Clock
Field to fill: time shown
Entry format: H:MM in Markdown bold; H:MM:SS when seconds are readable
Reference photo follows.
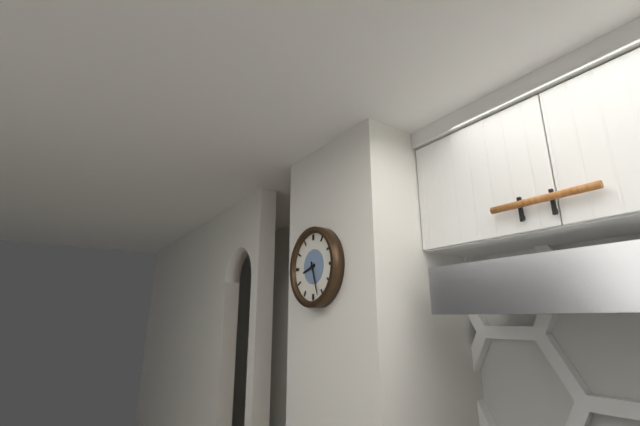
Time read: **8:27**
